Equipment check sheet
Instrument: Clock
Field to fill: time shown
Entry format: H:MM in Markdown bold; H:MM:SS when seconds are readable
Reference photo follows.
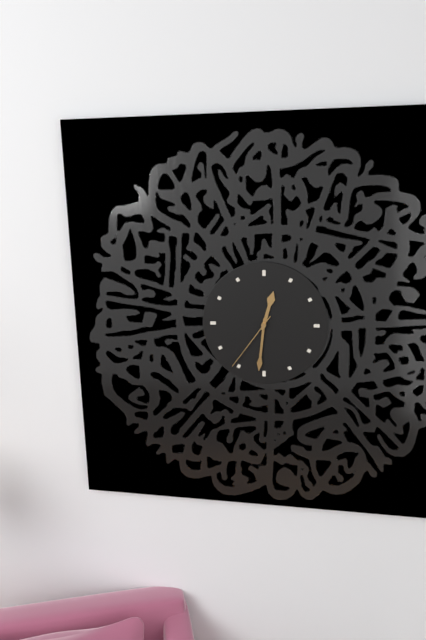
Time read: **12:31:36**
